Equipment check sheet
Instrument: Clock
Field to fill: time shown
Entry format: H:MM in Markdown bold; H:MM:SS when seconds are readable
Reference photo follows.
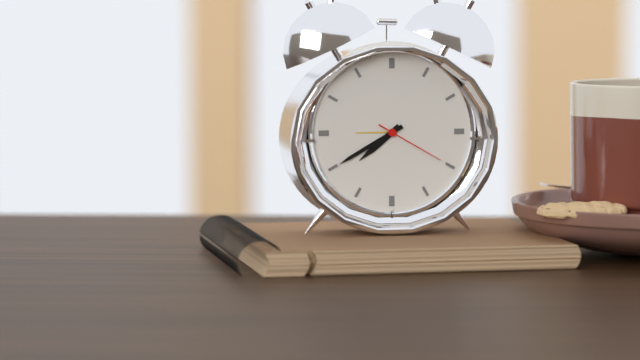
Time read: **7:40:20**
